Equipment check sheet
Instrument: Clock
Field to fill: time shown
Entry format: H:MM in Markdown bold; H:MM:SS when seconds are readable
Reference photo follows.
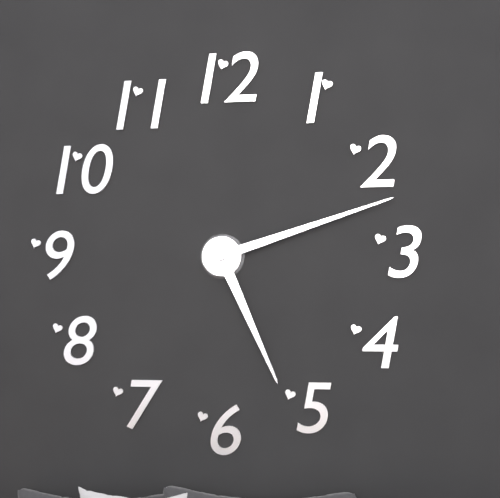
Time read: **5:12**
